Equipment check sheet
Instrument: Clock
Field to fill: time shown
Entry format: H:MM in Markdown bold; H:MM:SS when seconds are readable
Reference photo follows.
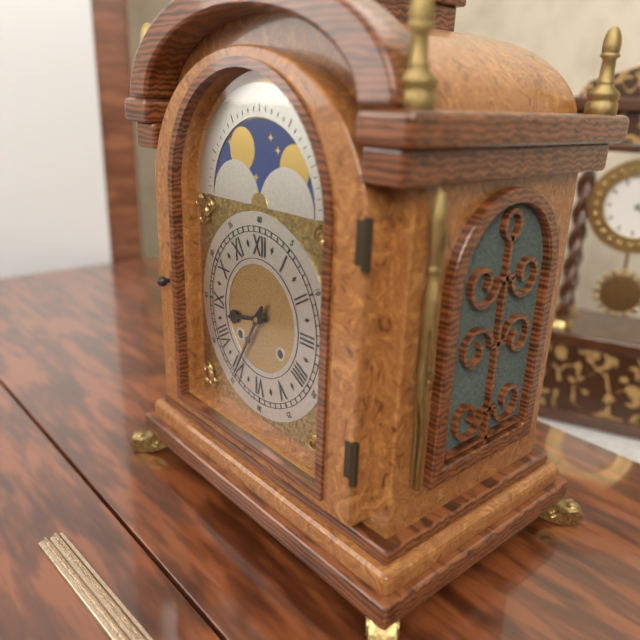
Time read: **8:35**
